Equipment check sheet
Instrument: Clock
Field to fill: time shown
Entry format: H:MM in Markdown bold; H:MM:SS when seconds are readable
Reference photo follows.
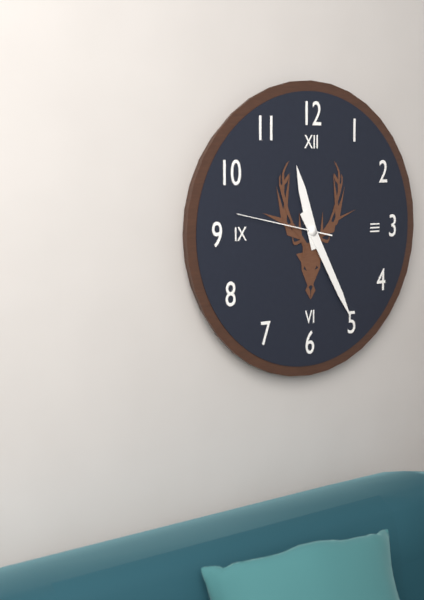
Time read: **11:25:47**
